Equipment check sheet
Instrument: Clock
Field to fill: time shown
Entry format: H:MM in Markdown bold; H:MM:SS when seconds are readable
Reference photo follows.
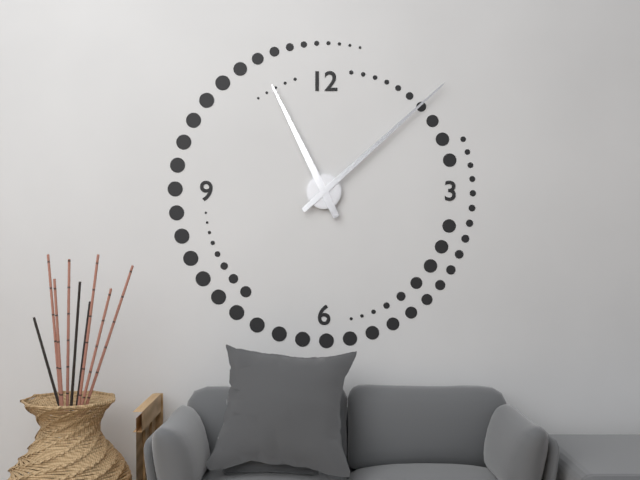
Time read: **11:08**
